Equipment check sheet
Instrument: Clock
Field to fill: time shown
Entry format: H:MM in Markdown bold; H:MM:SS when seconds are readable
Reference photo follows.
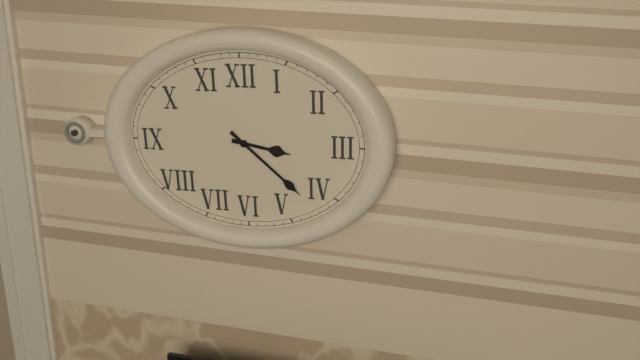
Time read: **3:22**
